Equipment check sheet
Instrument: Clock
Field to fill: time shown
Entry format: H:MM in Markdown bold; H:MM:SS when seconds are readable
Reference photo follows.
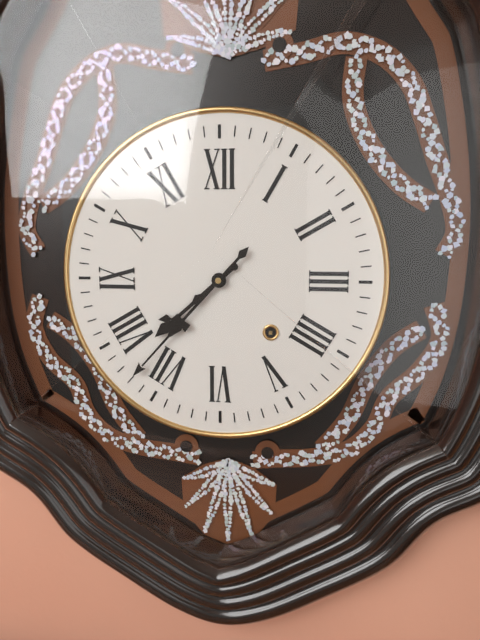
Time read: **7:37**
